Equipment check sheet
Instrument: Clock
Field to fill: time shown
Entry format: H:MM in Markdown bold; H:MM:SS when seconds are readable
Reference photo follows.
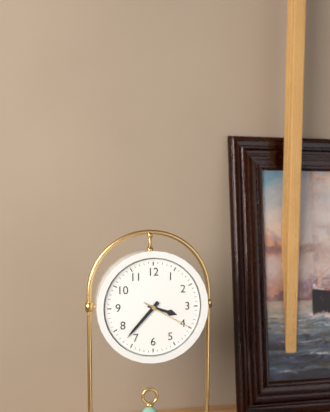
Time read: **3:37:20**
